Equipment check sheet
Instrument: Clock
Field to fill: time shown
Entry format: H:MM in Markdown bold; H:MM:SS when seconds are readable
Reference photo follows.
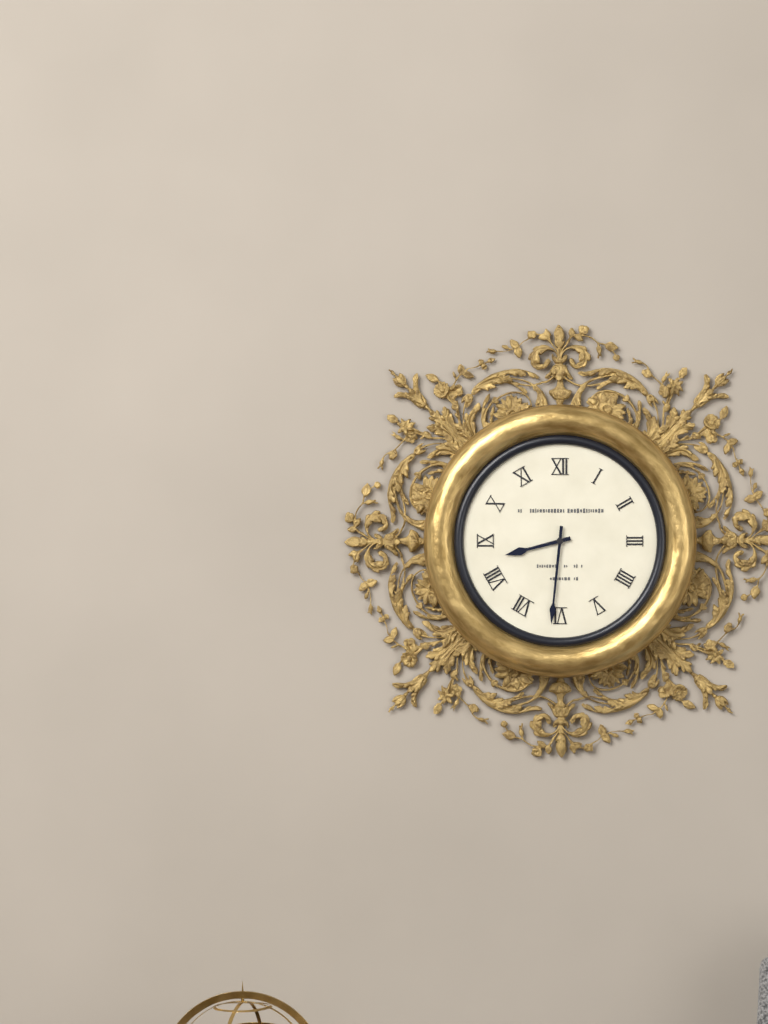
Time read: **8:31**
